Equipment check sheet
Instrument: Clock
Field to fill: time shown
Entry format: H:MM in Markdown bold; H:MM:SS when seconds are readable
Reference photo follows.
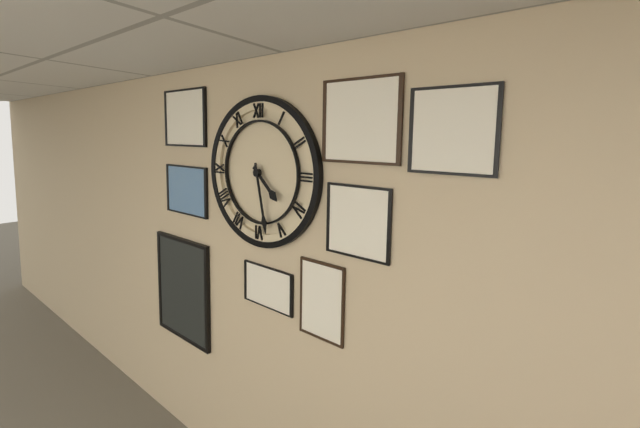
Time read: **4:28**
